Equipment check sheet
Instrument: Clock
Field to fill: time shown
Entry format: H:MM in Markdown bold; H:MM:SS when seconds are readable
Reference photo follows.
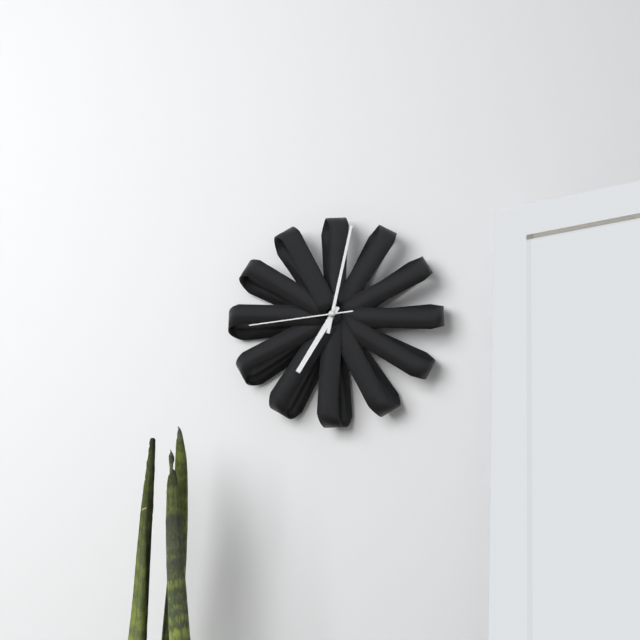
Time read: **7:02:44**
